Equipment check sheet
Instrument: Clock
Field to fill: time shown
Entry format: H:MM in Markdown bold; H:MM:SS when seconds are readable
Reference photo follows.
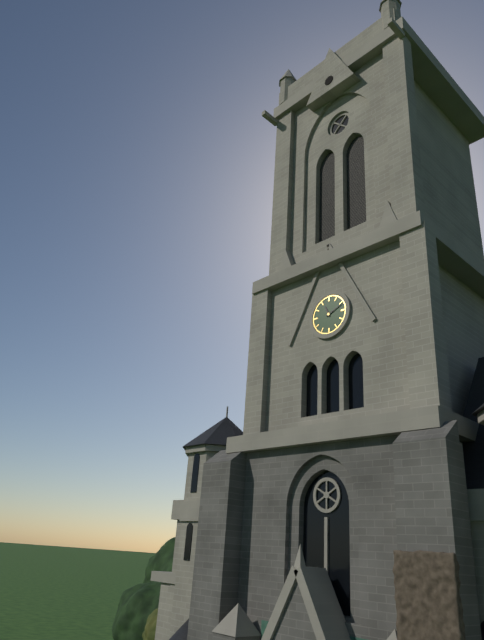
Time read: **11:11**
